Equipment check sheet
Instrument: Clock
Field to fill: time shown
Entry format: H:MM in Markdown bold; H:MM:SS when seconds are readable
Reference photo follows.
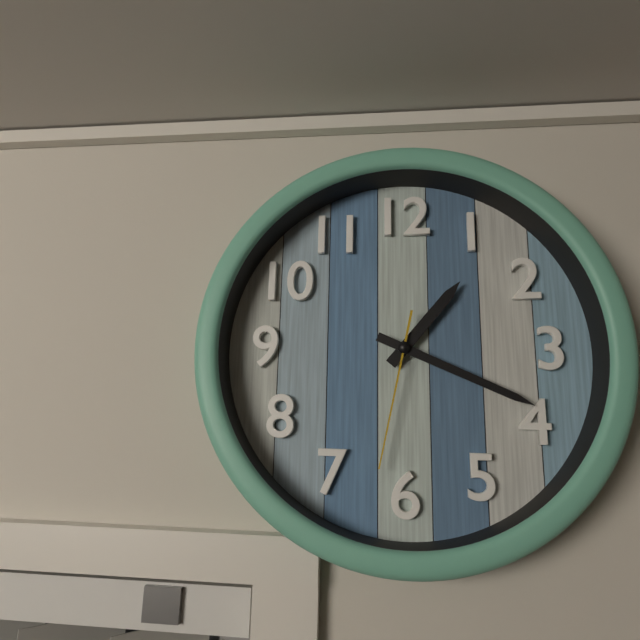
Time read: **1:19:32**
